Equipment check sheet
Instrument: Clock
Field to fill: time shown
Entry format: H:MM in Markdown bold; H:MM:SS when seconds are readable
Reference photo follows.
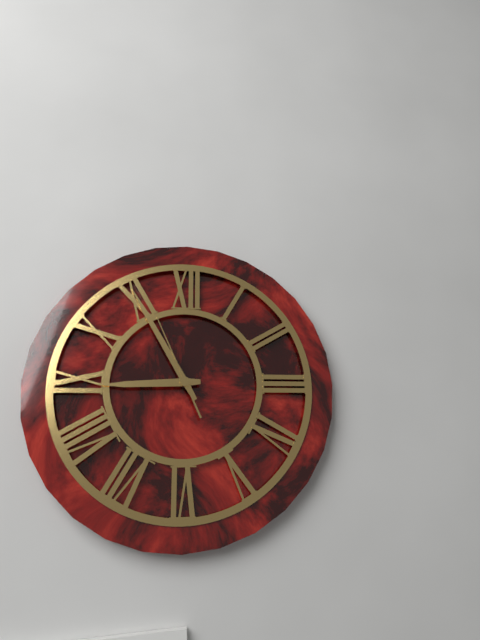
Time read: **8:55:56**
